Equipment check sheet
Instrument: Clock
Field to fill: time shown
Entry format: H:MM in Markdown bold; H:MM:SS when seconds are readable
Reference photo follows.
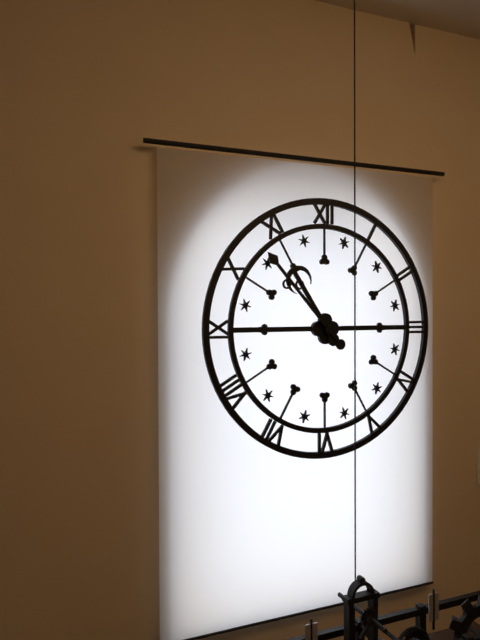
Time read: **10:53**
